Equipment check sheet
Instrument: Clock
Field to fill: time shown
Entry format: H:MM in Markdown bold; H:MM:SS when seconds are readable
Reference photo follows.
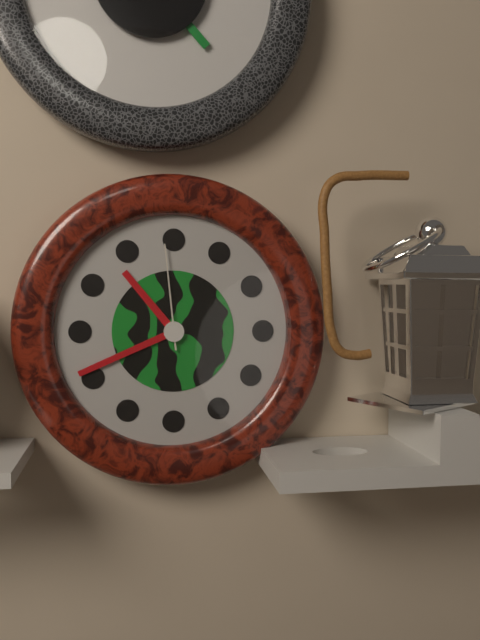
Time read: **10:41:59**
